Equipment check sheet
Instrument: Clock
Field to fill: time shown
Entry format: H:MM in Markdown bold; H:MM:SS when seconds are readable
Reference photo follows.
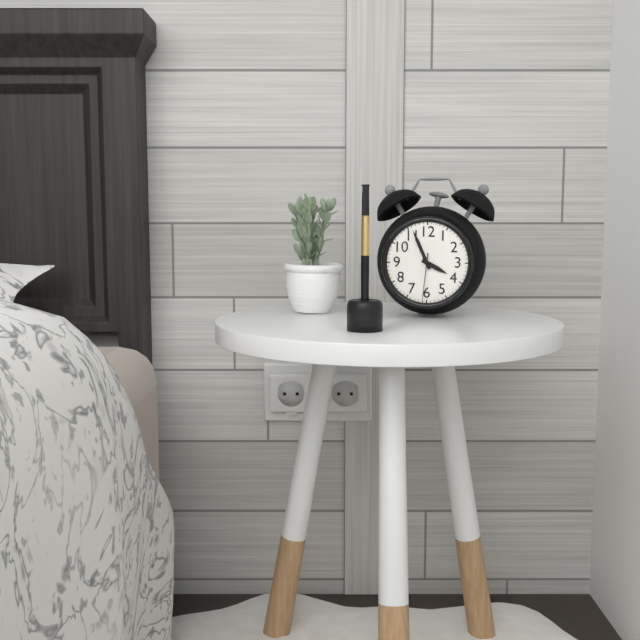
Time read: **3:56**
